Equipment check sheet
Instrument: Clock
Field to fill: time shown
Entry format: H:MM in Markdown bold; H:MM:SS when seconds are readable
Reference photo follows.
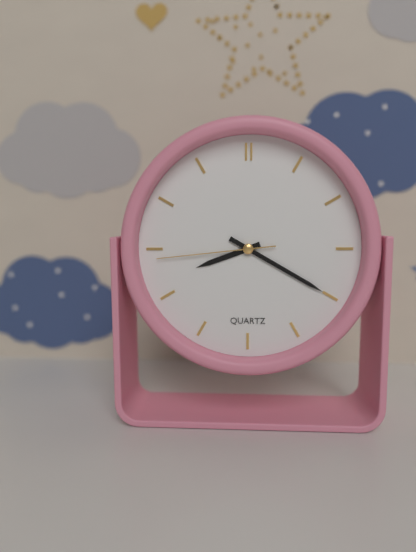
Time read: **8:20:44**
